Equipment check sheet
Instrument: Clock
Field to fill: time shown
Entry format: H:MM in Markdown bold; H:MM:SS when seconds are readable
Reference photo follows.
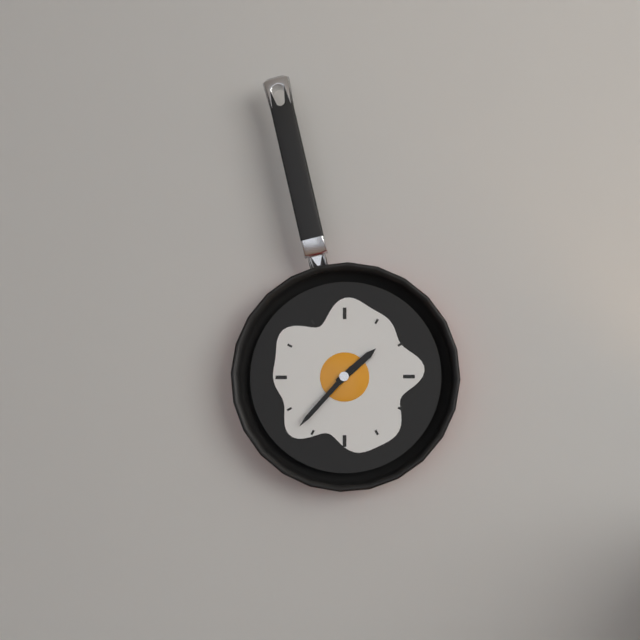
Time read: **1:37**
